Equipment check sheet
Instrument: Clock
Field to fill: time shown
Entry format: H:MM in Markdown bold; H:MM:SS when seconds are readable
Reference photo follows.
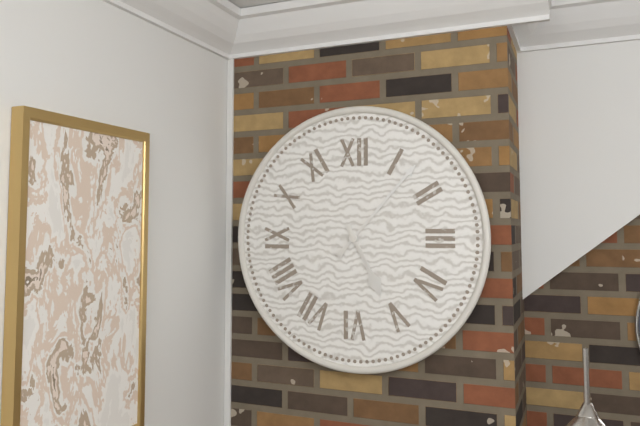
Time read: **5:07**
